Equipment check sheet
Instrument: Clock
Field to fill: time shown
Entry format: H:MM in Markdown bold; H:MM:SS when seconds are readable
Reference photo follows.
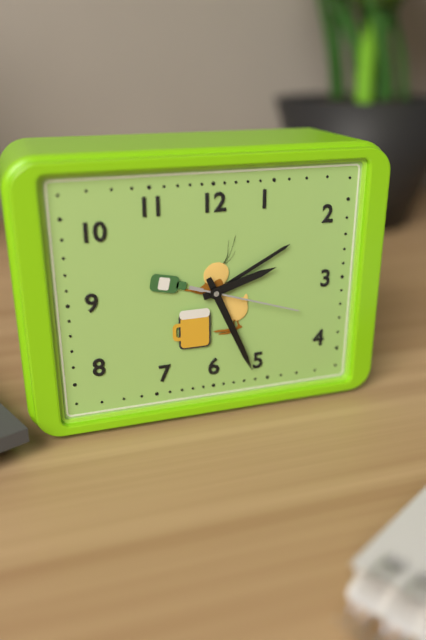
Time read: **2:26:18**
